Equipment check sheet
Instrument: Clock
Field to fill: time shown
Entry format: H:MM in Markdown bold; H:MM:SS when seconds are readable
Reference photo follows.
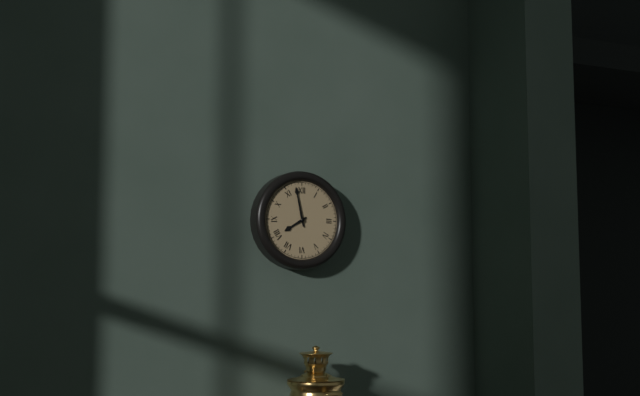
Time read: **7:58**
